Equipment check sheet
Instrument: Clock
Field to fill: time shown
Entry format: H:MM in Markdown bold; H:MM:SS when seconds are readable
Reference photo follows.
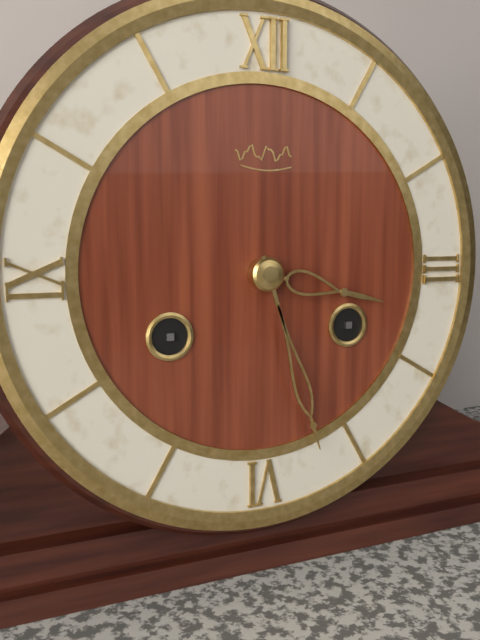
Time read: **3:27**
